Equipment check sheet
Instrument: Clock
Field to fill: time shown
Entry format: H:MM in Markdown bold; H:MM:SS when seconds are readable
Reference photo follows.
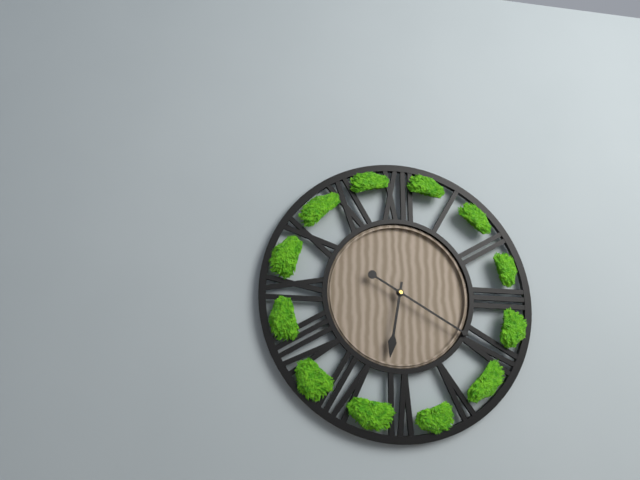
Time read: **6:20**
